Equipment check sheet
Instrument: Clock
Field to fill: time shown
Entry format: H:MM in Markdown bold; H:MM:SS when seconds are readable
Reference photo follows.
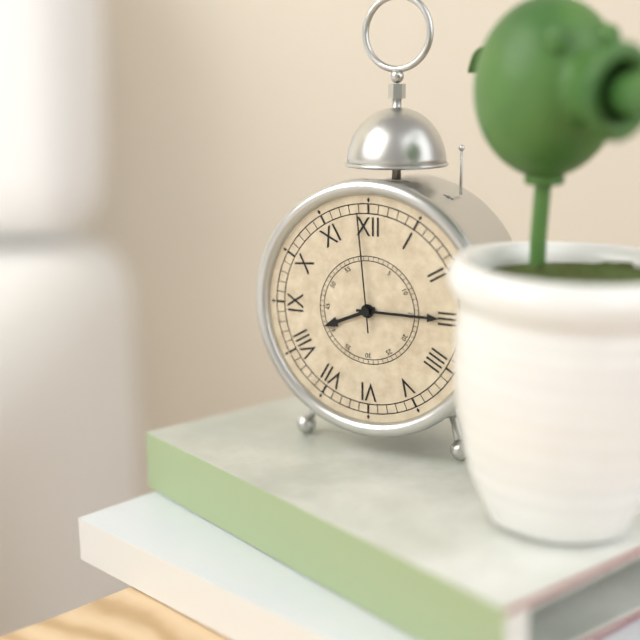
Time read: **8:15:59**
